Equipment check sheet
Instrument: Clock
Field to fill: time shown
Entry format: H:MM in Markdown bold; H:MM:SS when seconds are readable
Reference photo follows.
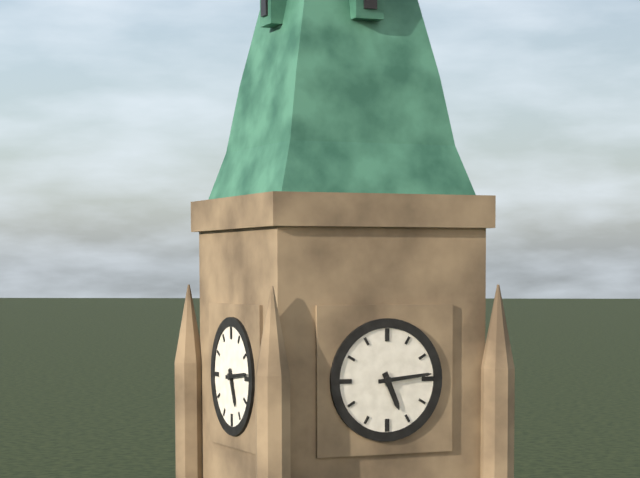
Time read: **5:14**
